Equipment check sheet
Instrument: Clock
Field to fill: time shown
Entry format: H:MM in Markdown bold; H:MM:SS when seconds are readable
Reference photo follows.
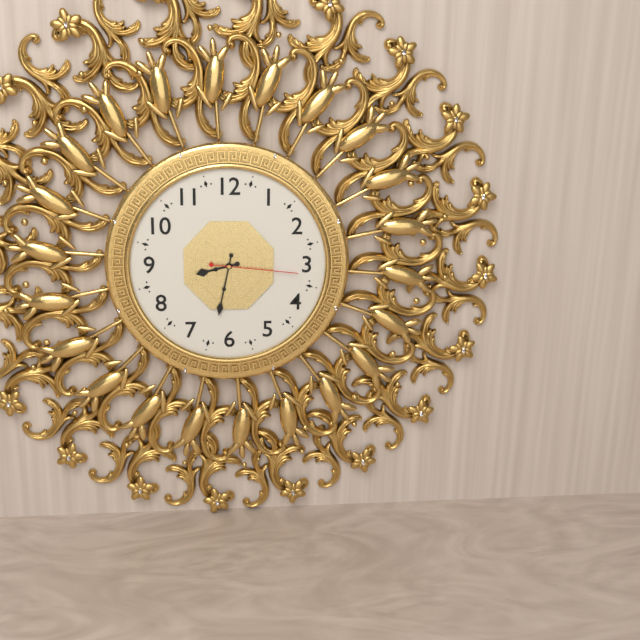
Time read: **8:32:16**
